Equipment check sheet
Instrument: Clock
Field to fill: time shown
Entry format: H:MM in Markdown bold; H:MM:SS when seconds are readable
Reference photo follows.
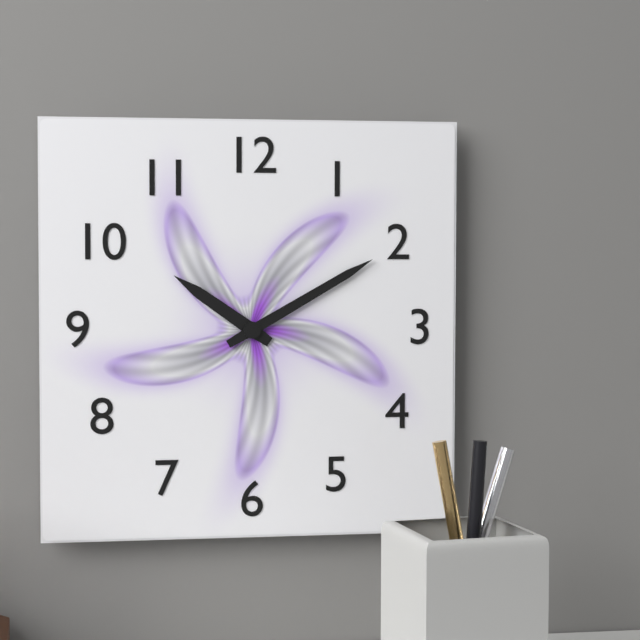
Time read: **10:10**
